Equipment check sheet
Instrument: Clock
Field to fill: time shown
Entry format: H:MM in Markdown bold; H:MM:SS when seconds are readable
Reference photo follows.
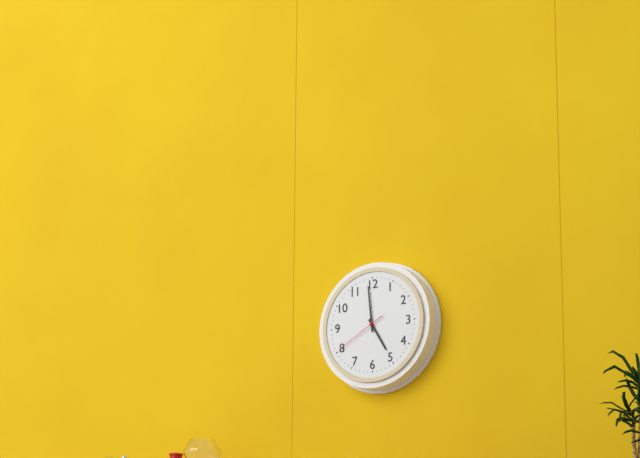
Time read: **4:59:40**
